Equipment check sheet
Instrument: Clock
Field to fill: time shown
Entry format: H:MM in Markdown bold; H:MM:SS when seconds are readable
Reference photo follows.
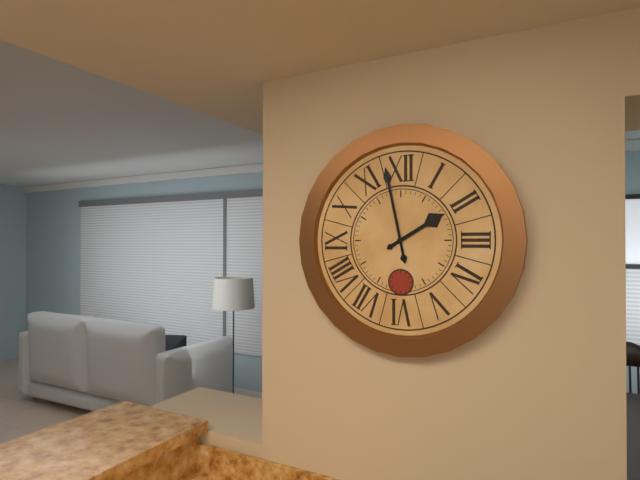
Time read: **1:58**
